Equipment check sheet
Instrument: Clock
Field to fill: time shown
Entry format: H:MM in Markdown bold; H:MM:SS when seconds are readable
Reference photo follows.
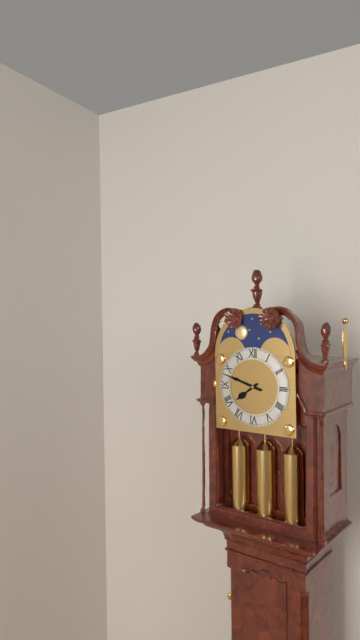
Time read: **7:48**
